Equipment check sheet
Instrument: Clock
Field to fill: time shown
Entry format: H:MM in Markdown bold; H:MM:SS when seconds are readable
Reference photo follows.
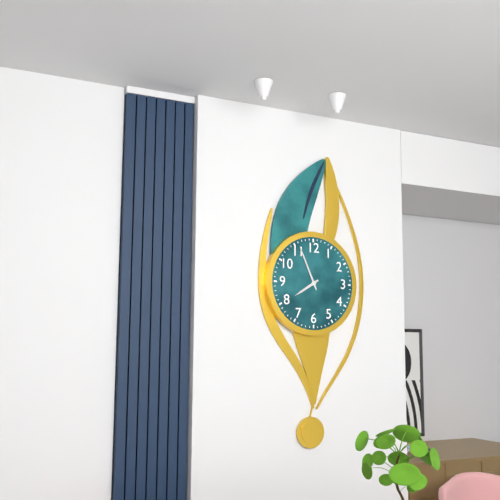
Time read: **7:56**
